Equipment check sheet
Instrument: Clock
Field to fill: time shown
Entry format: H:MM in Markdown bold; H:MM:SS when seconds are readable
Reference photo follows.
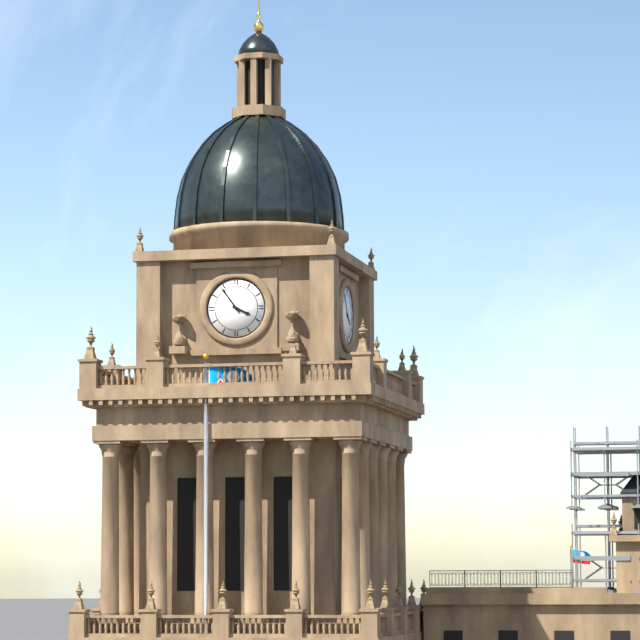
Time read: **3:54**
